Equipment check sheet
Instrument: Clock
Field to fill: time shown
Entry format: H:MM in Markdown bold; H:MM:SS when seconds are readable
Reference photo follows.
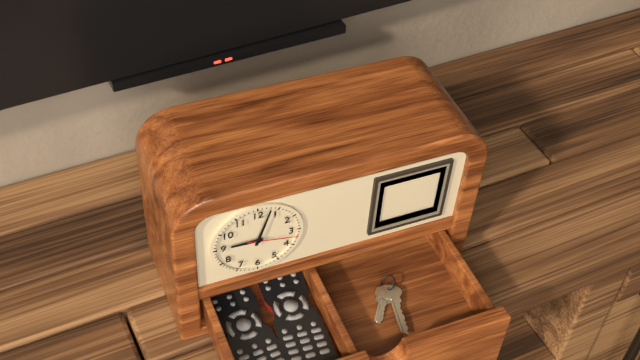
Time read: **9:03:17**
